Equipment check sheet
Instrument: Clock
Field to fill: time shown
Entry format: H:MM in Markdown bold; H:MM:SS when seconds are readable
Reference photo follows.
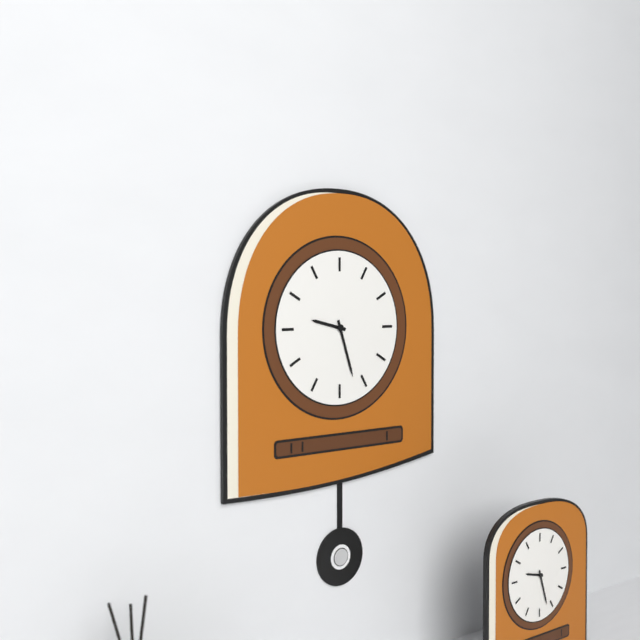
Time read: **9:27**
